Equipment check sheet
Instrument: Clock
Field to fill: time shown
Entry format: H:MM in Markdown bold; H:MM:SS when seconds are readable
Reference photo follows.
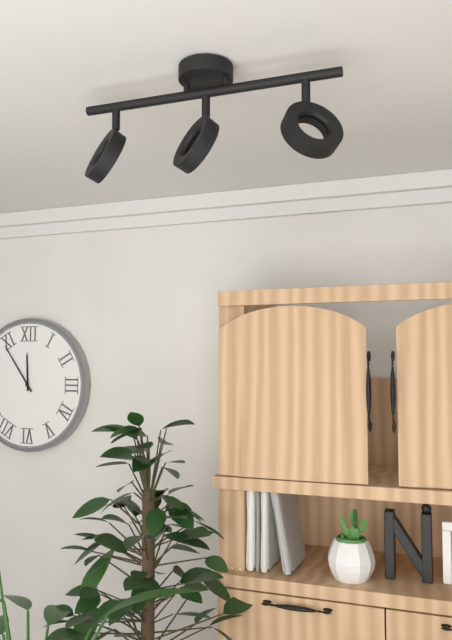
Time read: **11:54**
